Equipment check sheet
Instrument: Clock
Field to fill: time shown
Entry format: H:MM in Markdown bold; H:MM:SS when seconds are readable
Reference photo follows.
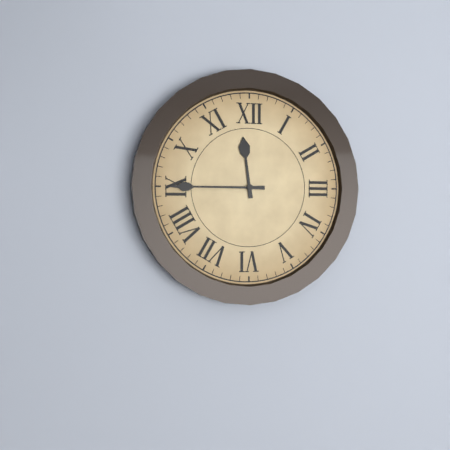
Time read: **11:45**
